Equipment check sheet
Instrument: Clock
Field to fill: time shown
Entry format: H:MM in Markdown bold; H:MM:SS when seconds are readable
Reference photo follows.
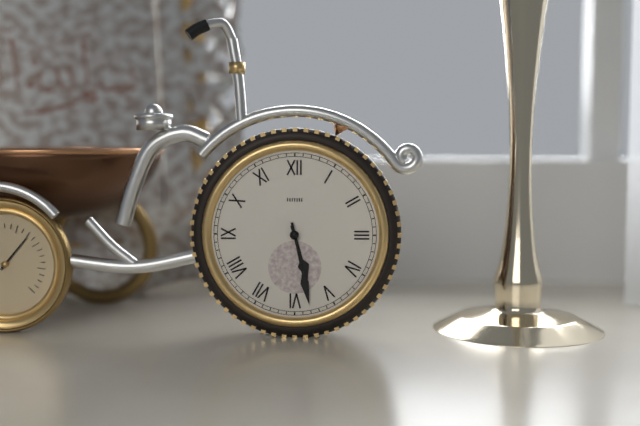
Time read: **5:28**
